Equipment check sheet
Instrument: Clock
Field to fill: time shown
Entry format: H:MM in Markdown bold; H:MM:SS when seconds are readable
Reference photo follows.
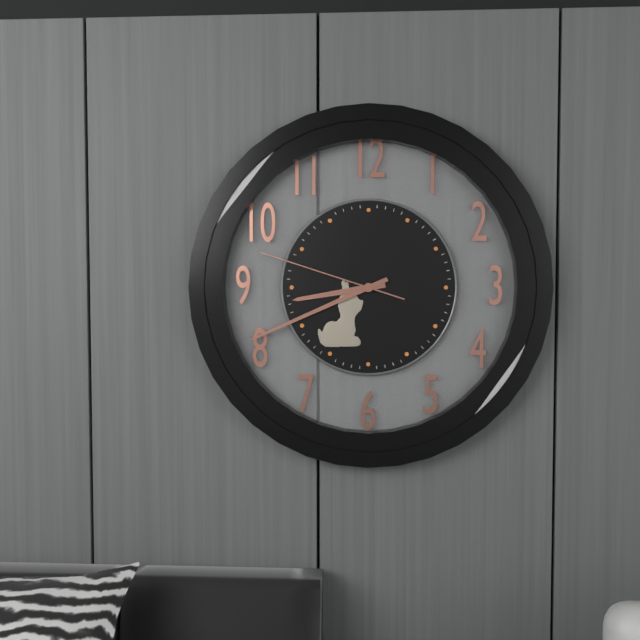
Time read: **8:41:48**
